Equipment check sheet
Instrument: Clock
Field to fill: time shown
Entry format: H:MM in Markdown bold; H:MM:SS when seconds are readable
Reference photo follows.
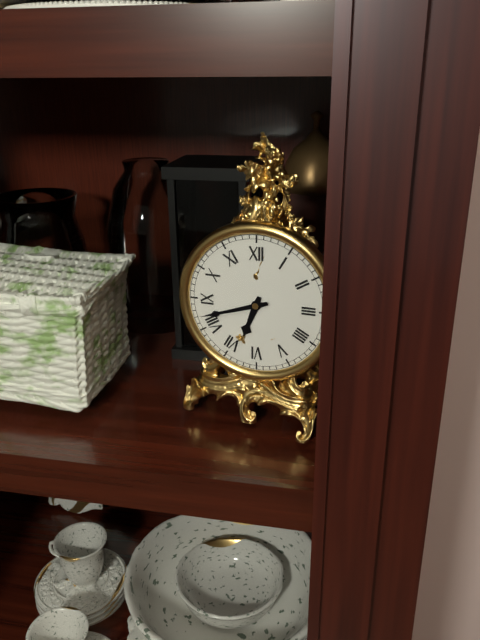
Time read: **6:42**
